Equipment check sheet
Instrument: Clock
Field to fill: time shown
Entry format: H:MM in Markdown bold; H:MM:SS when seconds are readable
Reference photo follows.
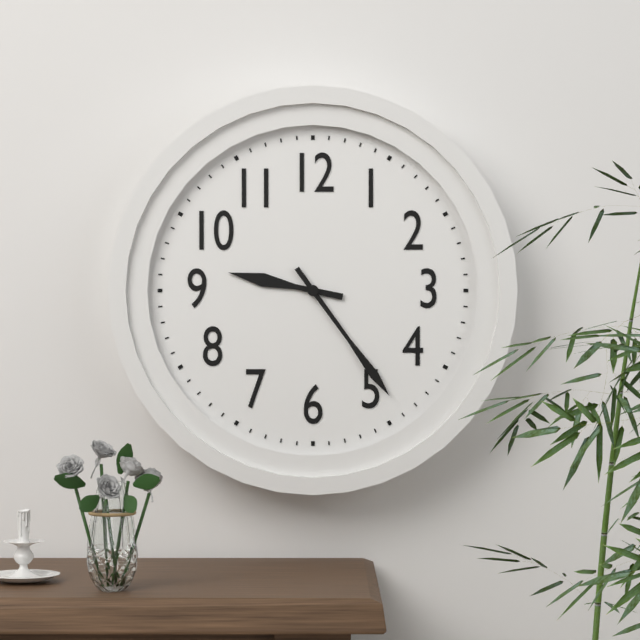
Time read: **9:24**
